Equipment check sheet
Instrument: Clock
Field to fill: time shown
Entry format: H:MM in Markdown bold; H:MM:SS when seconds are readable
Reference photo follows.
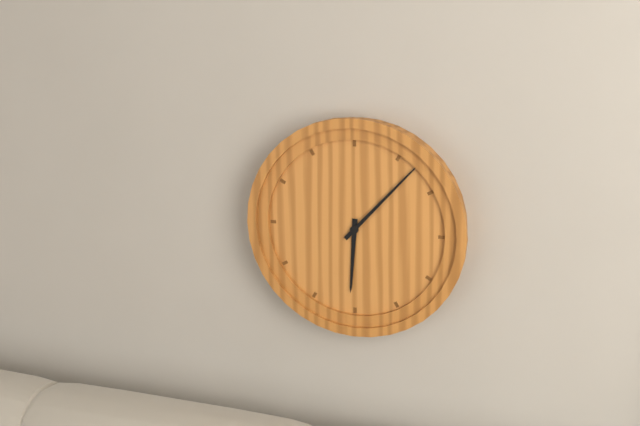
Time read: **6:07**
